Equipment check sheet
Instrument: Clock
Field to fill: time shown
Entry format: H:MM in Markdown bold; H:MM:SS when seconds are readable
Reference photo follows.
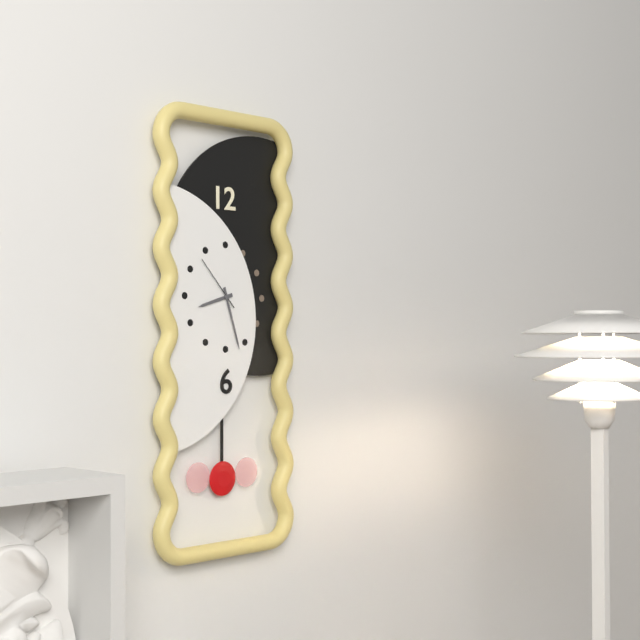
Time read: **8:27:53**
